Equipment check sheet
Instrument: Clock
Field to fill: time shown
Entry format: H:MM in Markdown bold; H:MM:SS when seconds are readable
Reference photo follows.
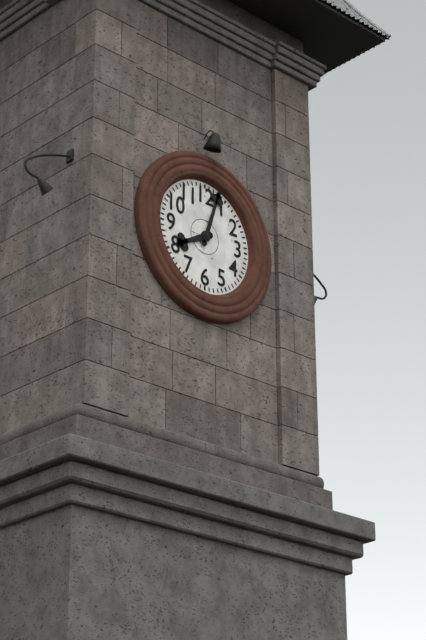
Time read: **8:03**
